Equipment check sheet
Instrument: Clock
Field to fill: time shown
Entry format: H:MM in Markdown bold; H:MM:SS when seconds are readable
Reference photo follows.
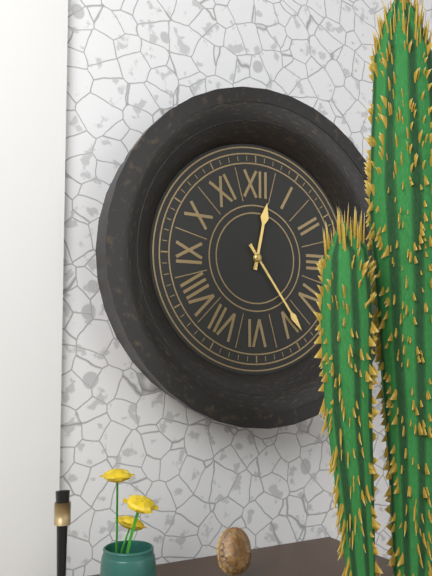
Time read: **12:24**
